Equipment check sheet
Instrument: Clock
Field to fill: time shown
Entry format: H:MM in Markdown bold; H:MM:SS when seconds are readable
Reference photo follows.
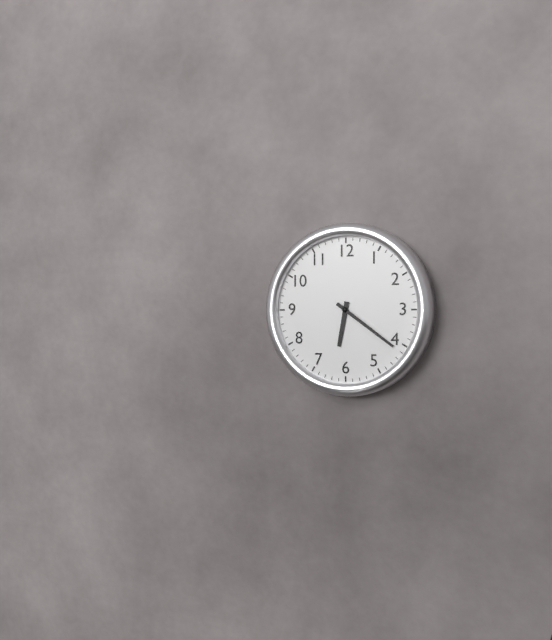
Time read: **6:21**
